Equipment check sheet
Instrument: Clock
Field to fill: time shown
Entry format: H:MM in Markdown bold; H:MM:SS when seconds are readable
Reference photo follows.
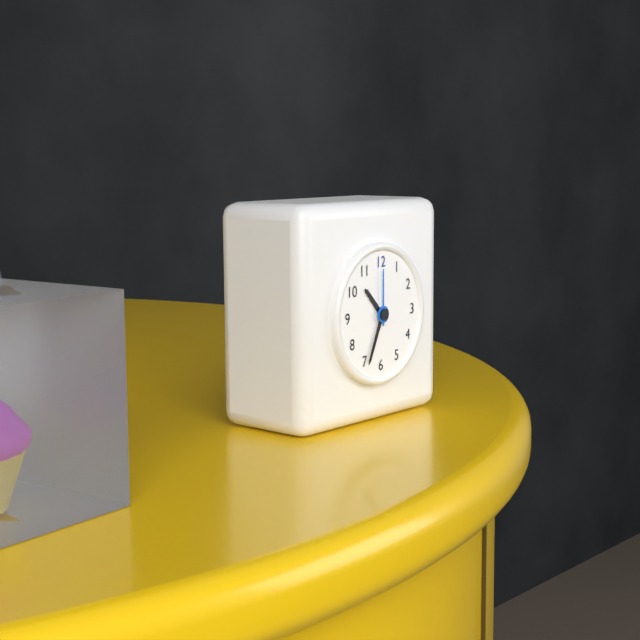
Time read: **10:34:00**
